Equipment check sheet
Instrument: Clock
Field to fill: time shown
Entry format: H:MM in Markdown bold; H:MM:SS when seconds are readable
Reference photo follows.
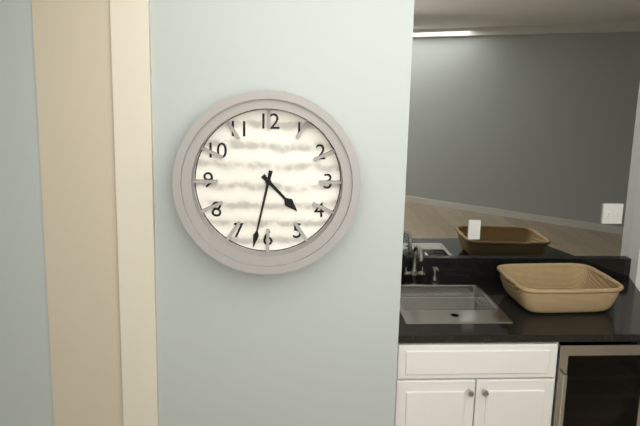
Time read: **4:32**
